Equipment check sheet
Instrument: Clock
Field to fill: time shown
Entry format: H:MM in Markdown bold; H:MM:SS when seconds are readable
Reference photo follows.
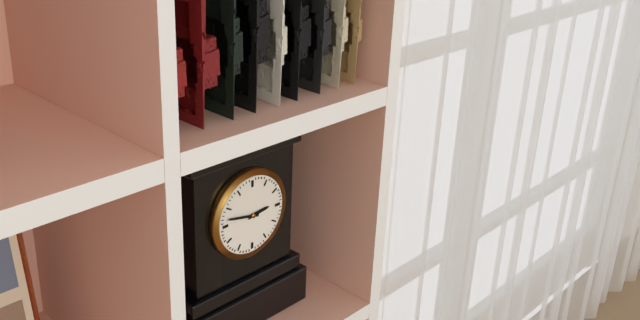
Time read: **2:47**
